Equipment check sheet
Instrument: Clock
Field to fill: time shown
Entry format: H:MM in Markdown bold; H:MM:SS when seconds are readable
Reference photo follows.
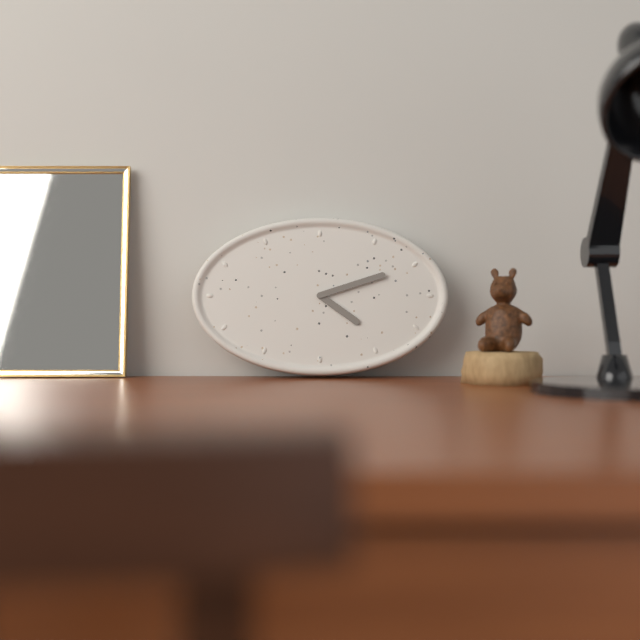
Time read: **4:12**
